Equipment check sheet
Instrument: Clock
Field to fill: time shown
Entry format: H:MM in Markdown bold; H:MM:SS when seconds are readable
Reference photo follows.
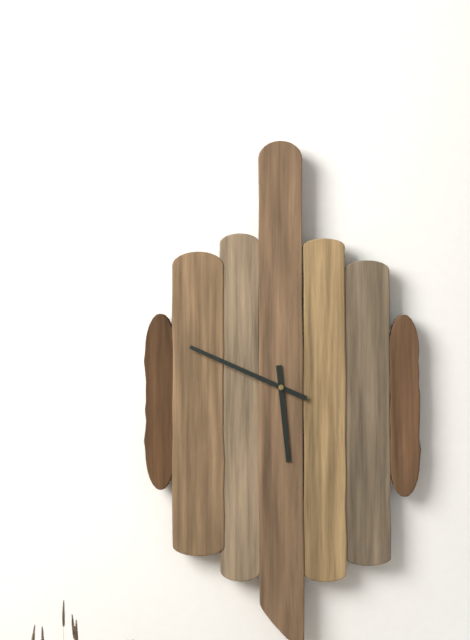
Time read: **5:49**
